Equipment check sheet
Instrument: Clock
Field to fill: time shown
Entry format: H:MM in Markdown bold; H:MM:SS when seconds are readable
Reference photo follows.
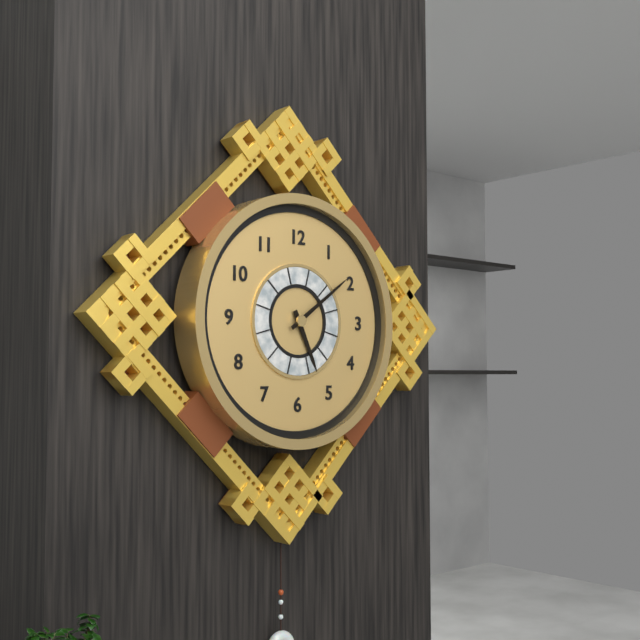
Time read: **5:09**
